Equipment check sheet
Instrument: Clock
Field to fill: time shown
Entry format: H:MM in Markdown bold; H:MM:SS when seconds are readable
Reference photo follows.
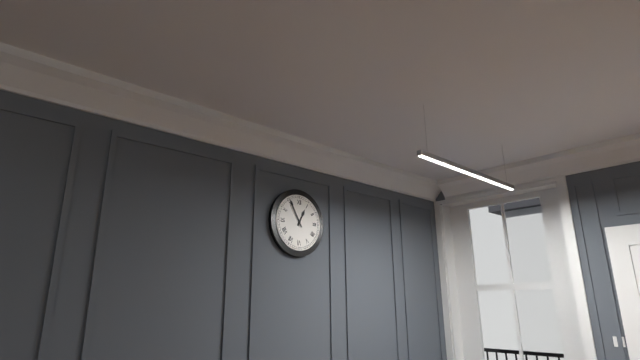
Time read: **12:55**
